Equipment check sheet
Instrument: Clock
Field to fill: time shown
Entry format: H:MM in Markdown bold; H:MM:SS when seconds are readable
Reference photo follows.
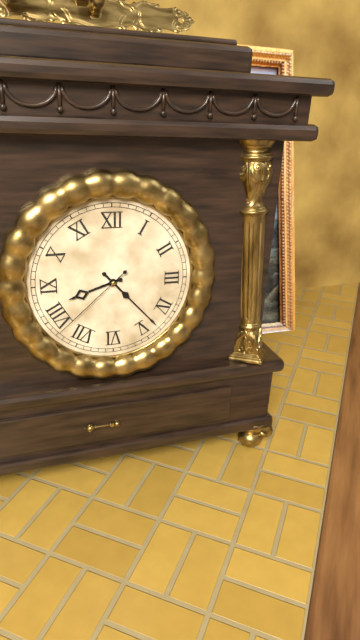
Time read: **8:23:38**
